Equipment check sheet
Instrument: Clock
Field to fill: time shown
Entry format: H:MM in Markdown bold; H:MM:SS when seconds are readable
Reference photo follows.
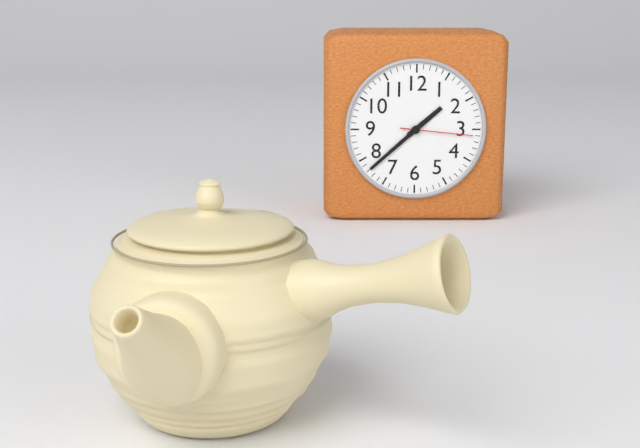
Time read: **1:38:16**
